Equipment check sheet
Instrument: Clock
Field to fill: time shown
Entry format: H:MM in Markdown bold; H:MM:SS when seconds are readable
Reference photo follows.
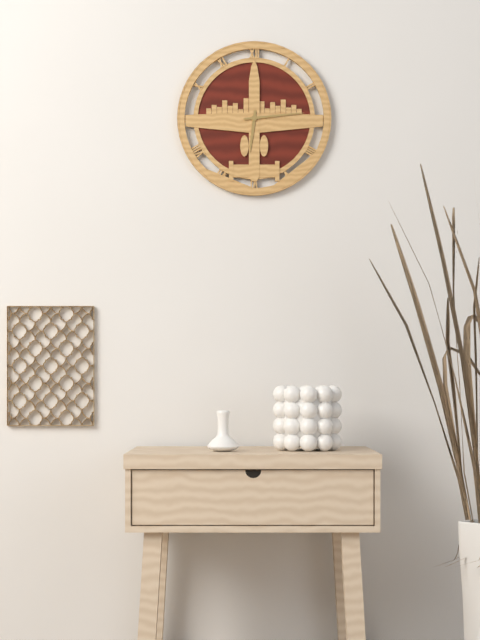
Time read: **6:14**
